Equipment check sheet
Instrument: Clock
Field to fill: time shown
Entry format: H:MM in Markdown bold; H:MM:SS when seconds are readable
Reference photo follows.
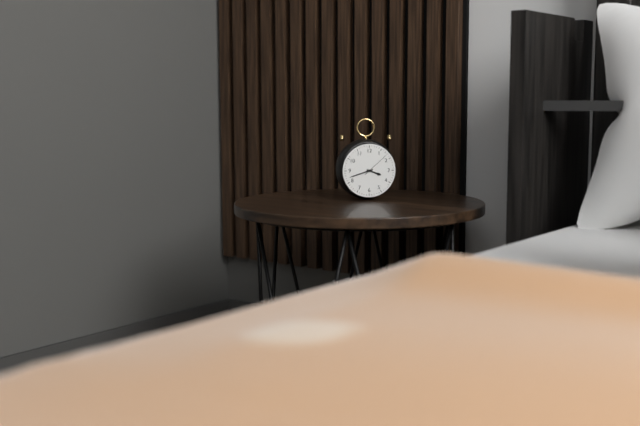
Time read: **3:42**
